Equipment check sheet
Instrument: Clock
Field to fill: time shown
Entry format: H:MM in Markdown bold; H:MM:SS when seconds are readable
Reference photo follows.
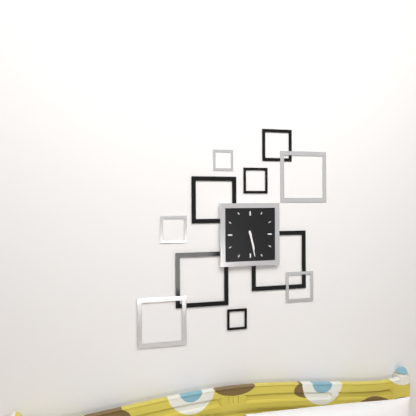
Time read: **5:28**
